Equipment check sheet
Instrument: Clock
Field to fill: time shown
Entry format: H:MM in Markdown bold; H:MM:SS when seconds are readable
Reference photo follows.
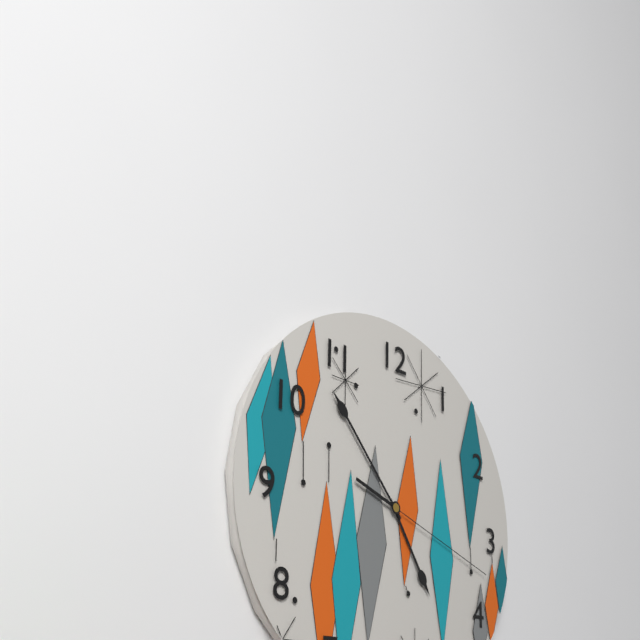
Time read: **4:53:18**
